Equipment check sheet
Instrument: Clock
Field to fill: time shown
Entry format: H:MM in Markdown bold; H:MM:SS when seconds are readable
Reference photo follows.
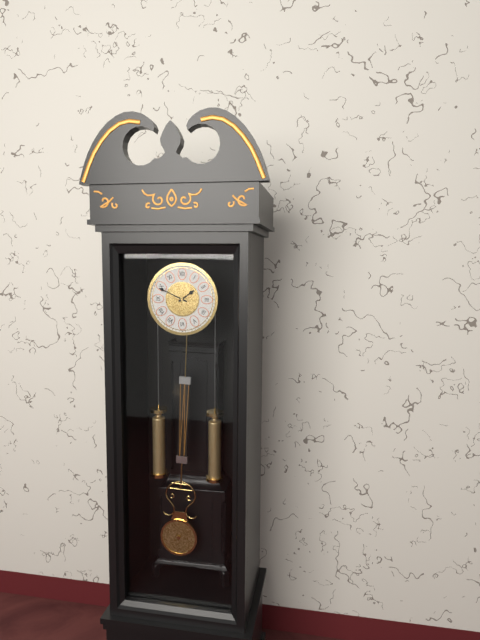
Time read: **1:49**
